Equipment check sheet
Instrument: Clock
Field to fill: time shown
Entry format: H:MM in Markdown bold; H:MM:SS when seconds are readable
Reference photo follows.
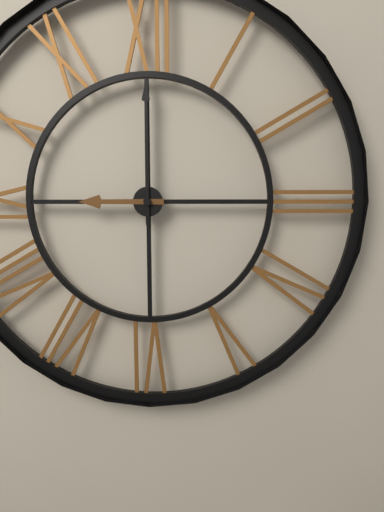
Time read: **9:00**
